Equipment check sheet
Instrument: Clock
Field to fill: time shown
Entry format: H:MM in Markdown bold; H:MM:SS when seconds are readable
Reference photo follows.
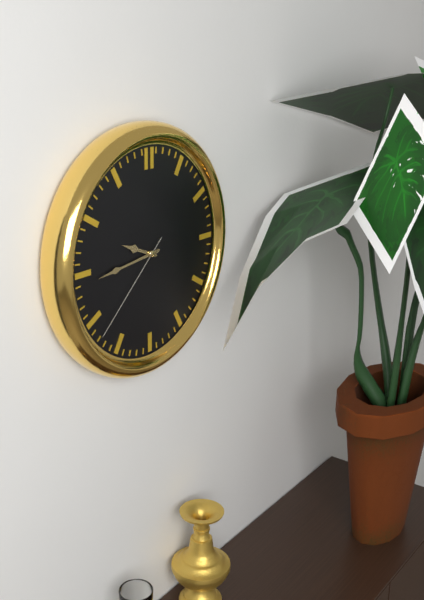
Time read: **9:44:38**
